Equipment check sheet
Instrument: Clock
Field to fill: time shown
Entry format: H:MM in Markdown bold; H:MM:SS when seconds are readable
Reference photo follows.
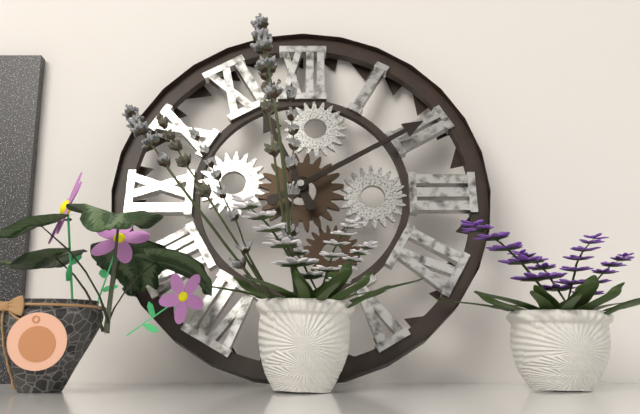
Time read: **11:10**
